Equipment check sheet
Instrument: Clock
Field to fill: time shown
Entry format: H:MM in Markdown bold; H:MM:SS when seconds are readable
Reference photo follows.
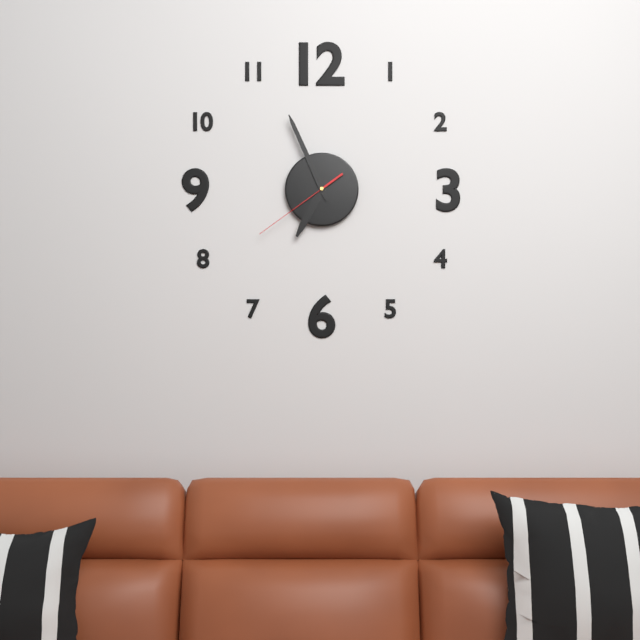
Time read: **6:56:39**
